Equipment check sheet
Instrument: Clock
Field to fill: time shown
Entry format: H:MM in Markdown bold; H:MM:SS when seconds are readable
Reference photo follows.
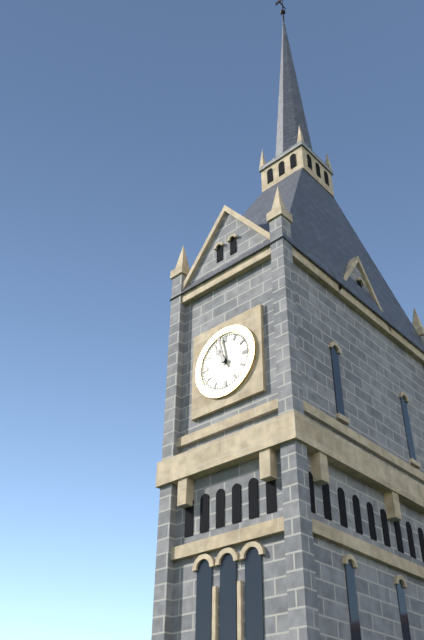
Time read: **10:58**
